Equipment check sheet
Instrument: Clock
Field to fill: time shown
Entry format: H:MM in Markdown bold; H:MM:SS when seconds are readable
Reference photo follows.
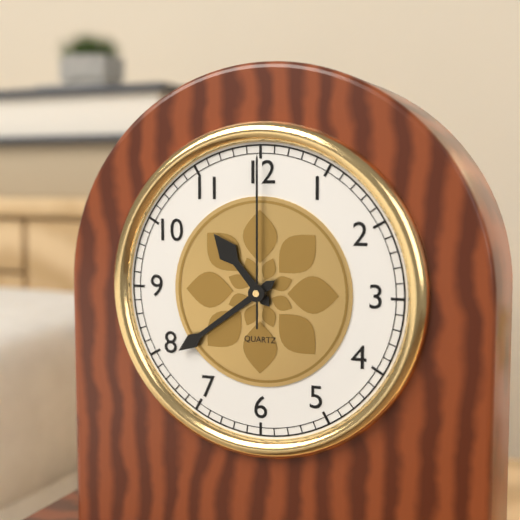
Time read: **10:39:00**
